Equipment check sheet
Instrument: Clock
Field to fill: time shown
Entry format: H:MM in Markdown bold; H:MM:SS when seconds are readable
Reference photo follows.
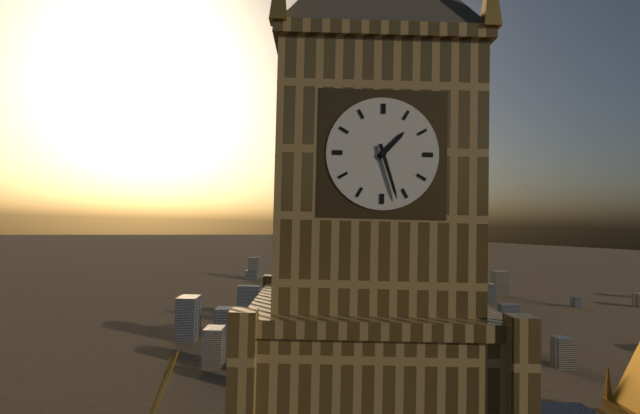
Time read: **1:27**
